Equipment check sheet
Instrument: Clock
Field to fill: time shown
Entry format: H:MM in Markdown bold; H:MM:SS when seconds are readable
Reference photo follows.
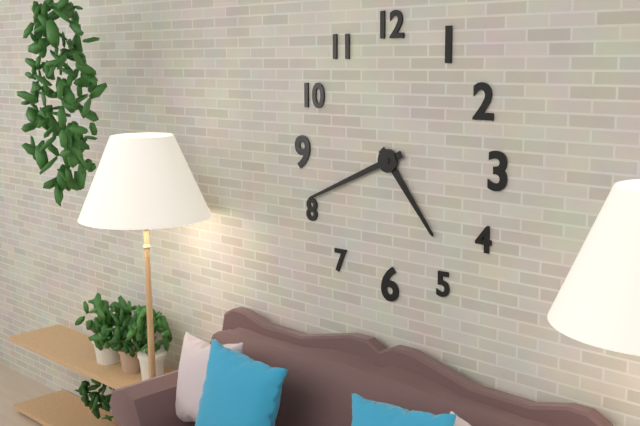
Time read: **4:41**
